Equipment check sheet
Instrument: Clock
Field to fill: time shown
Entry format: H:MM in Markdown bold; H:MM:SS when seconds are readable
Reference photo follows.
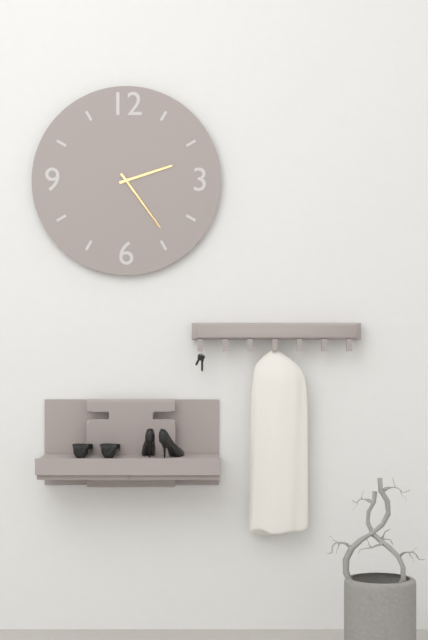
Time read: **2:24**
